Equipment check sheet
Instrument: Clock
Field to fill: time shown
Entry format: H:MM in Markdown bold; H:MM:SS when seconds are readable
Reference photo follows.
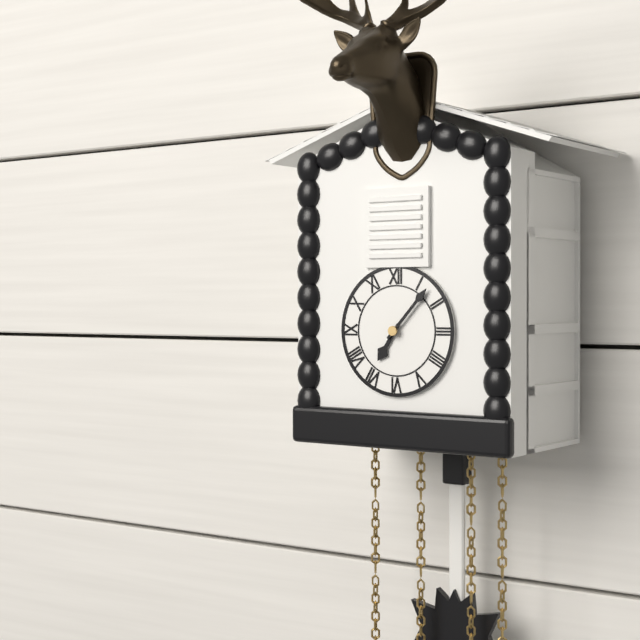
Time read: **7:07**
